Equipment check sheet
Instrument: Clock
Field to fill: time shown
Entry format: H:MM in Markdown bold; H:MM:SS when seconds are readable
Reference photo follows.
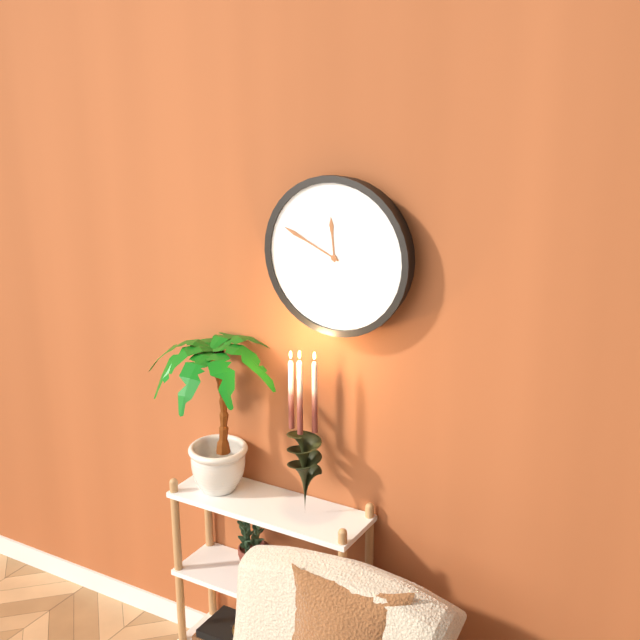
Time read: **11:49**
